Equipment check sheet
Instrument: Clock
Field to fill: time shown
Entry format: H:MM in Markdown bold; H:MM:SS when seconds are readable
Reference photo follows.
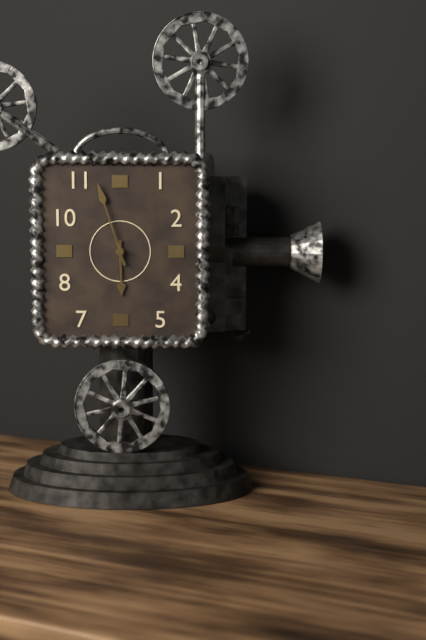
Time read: **5:57**
